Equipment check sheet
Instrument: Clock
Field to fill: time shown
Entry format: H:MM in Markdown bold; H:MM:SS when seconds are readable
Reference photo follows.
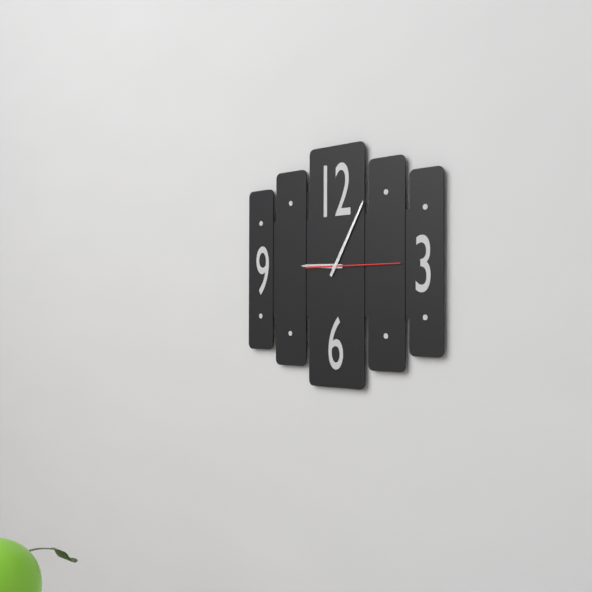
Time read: **9:05:15**
